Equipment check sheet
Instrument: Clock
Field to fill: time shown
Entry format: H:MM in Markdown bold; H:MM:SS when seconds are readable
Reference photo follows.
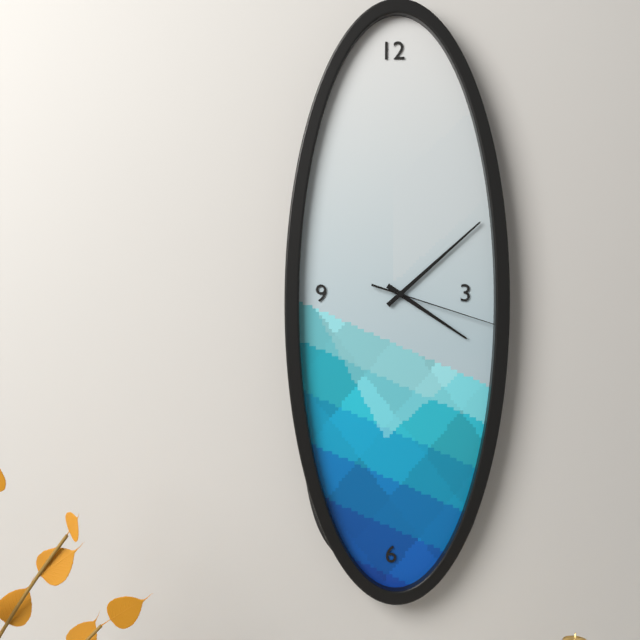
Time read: **4:08:18**
